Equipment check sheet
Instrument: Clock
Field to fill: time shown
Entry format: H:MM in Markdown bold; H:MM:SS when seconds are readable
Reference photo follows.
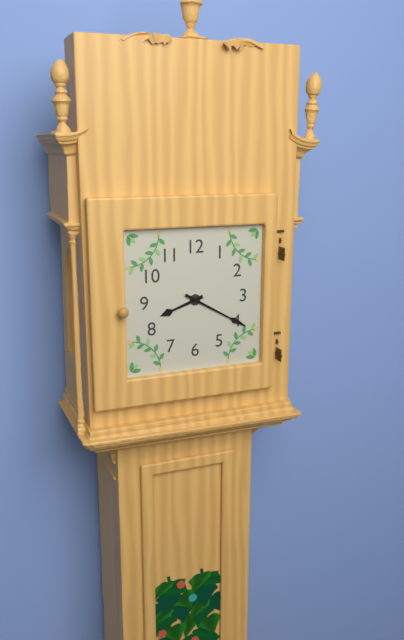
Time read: **8:20**
